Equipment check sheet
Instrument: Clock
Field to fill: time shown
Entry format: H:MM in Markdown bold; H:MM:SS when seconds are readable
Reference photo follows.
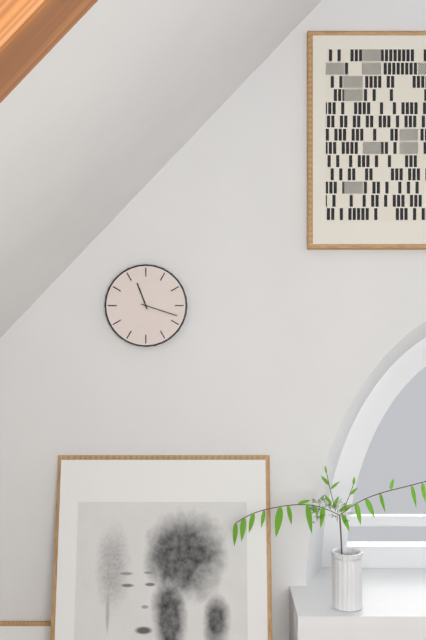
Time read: **11:18**
